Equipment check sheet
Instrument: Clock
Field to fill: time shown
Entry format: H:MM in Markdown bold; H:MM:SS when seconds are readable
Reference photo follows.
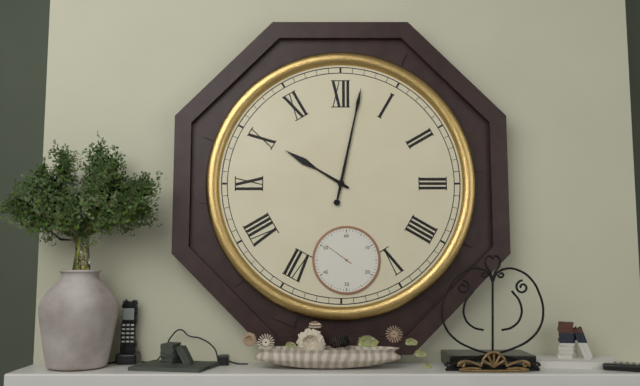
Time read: **10:02**
